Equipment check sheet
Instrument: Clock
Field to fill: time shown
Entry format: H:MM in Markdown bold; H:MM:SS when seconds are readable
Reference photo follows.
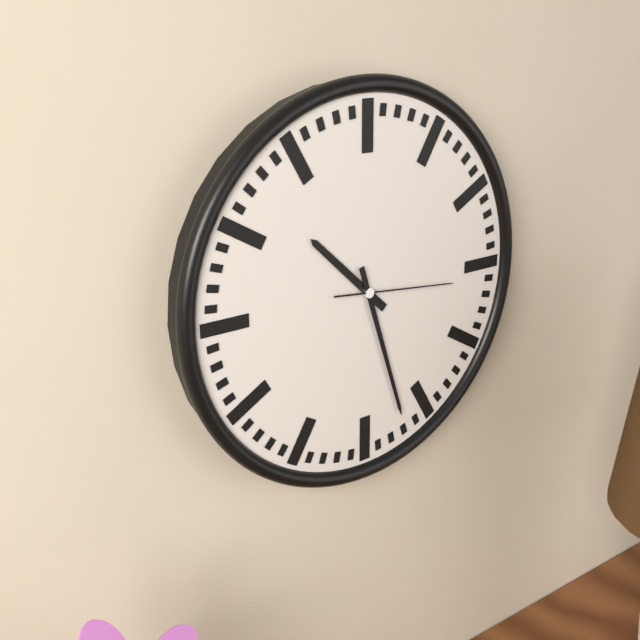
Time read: **10:27:16**
